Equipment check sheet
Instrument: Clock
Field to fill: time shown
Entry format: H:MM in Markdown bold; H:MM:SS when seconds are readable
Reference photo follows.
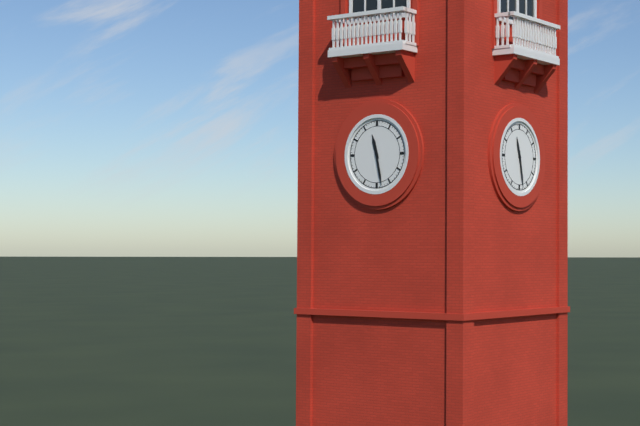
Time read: **11:28**
